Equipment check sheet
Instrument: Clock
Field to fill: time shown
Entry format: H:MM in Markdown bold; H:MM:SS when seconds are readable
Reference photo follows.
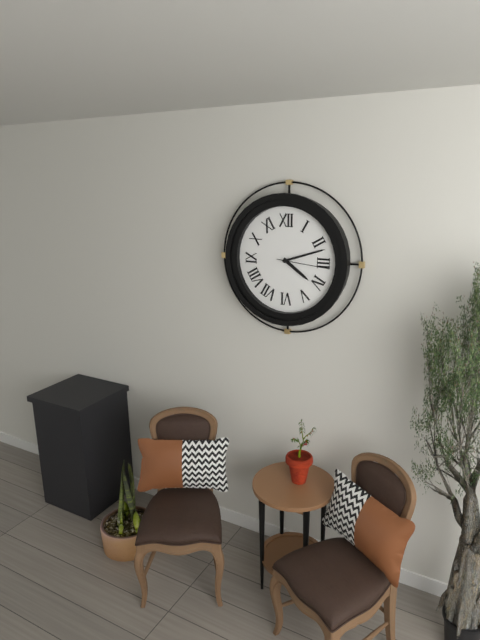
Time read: **4:12:16**
